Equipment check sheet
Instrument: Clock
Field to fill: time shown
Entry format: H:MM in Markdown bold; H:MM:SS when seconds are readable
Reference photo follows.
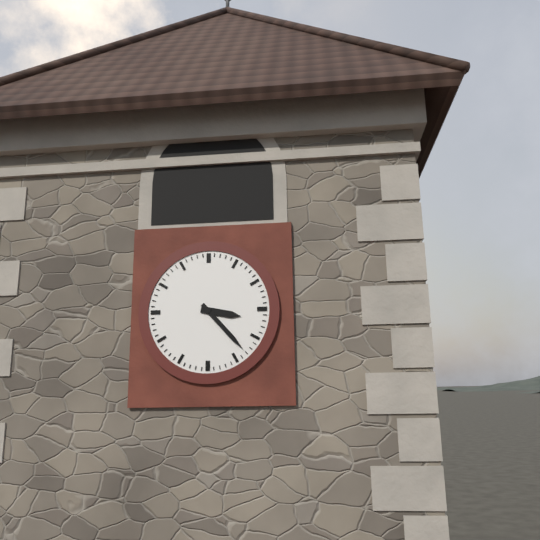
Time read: **3:23**
